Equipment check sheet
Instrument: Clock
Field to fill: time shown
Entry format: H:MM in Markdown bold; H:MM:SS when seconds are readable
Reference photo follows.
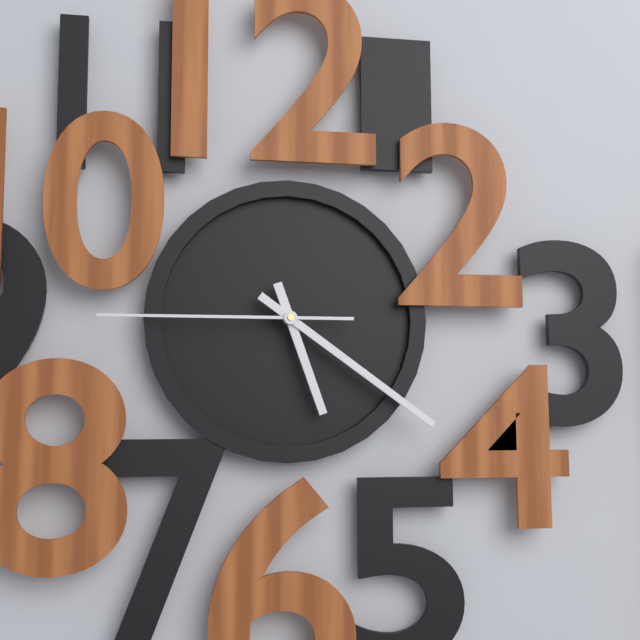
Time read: **5:21:45**
